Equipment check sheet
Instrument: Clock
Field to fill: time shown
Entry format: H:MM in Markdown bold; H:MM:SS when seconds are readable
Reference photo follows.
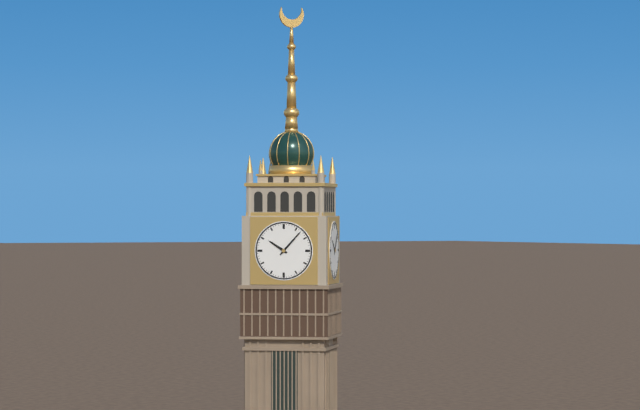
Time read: **10:07**
